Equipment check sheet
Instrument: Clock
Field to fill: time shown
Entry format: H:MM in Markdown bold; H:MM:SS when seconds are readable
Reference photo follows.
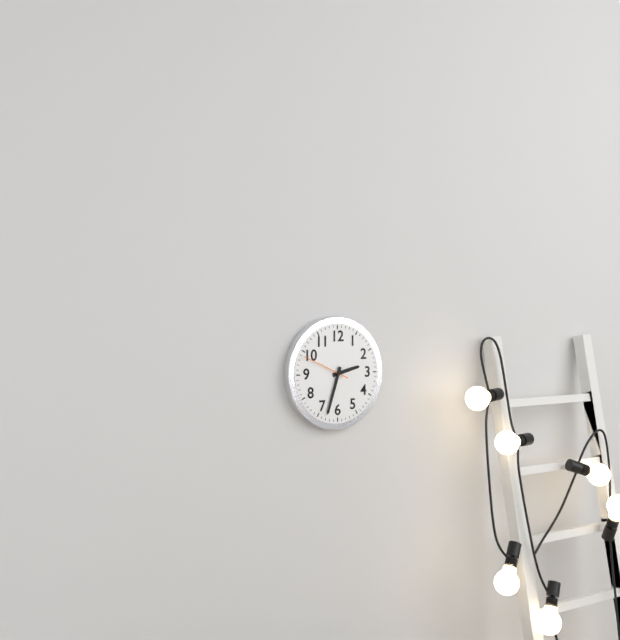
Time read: **2:33**
